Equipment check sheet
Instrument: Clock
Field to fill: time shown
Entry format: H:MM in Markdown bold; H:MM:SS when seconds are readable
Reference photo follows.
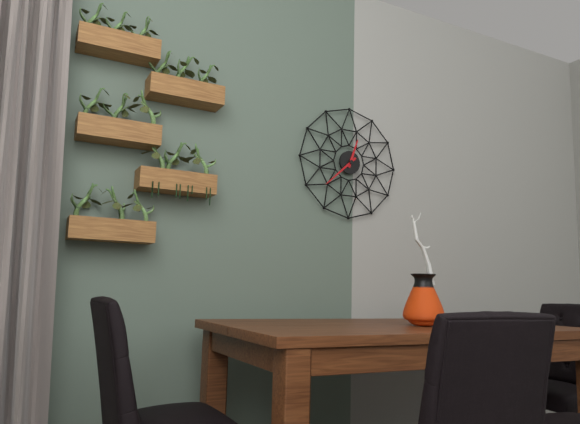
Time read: **12:38**
